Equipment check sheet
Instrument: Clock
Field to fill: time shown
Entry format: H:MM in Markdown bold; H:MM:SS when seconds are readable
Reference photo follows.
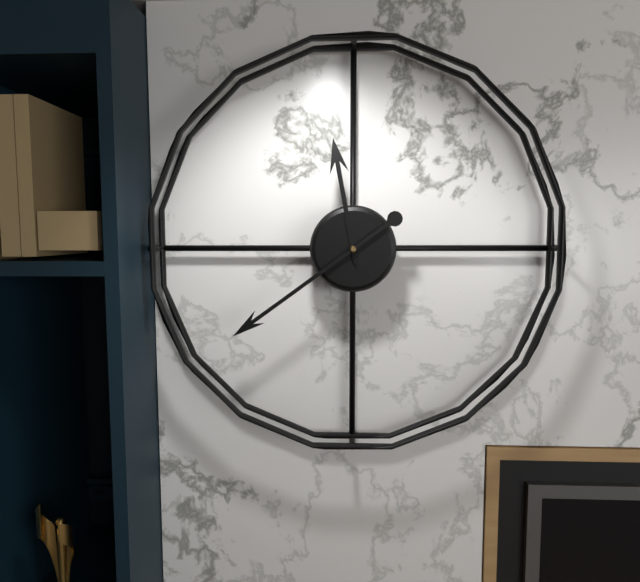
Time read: **11:39**
